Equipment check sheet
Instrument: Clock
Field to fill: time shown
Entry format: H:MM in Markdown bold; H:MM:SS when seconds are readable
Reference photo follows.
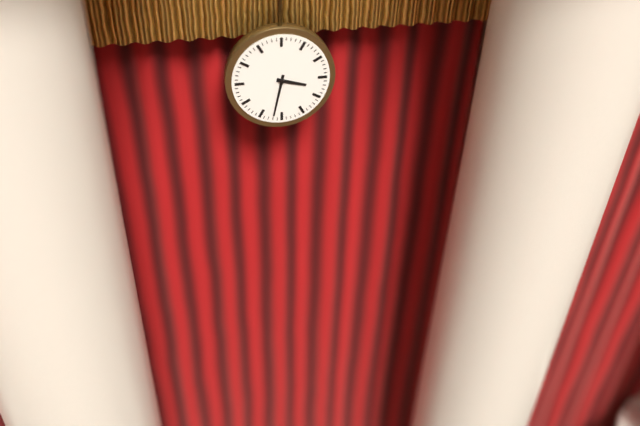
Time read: **3:32**
